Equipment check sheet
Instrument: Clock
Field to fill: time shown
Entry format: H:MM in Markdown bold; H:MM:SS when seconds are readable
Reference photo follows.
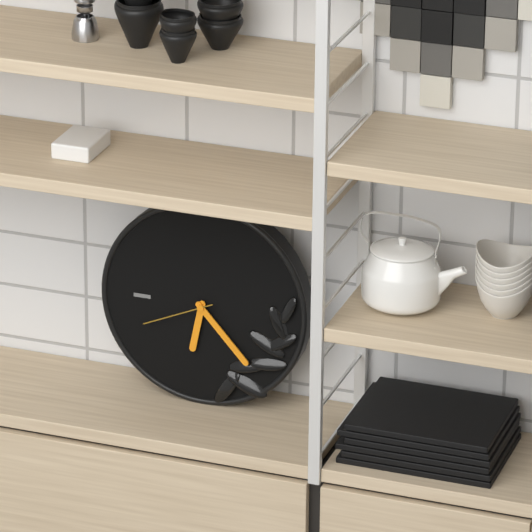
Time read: **6:23:41**
